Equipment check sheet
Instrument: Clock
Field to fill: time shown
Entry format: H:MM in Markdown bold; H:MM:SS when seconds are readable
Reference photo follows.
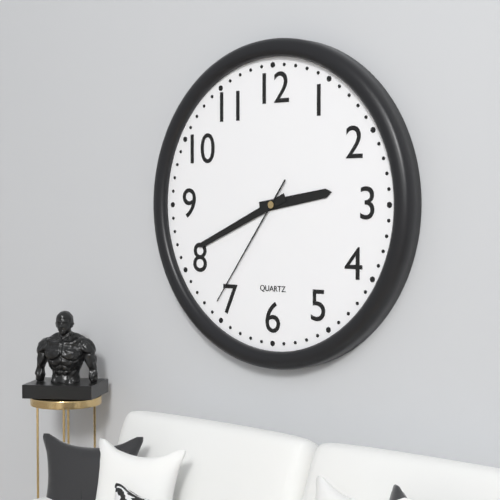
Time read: **2:41:36**
